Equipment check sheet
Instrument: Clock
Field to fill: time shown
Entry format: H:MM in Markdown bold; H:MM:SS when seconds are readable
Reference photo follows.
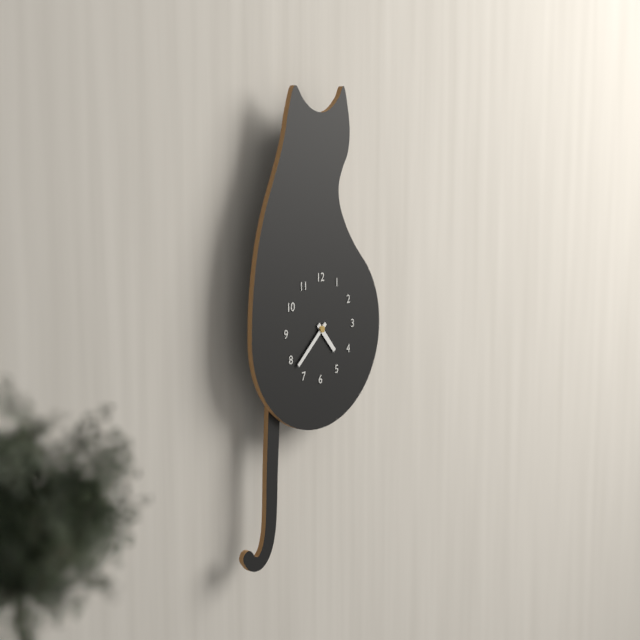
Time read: **4:38**
